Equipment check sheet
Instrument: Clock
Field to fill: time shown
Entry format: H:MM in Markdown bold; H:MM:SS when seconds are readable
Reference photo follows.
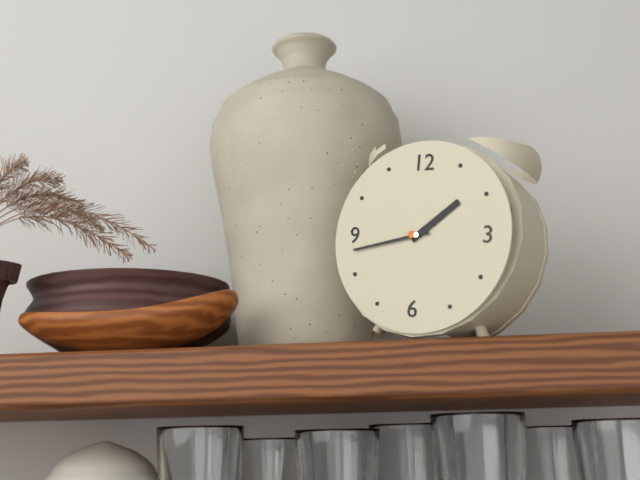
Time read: **1:43**
